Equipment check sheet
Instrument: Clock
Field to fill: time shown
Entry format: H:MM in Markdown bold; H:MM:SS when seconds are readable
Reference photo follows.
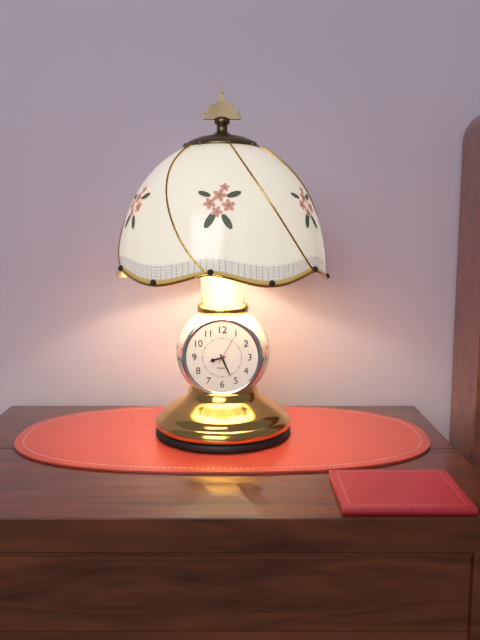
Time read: **8:26**
